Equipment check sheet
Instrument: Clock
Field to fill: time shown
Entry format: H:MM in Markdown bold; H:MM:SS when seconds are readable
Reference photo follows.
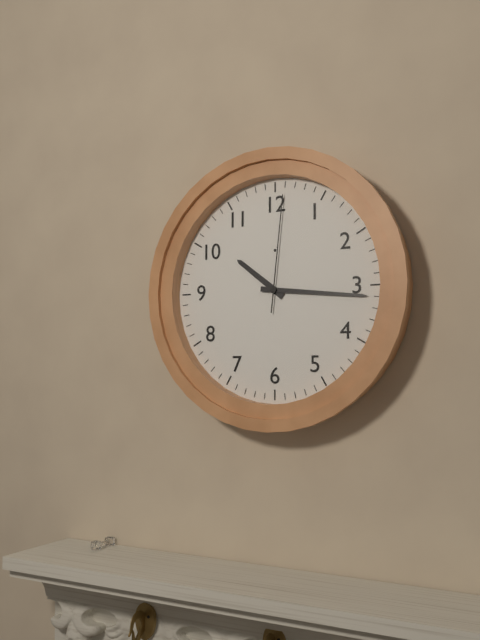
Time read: **10:16:01**
